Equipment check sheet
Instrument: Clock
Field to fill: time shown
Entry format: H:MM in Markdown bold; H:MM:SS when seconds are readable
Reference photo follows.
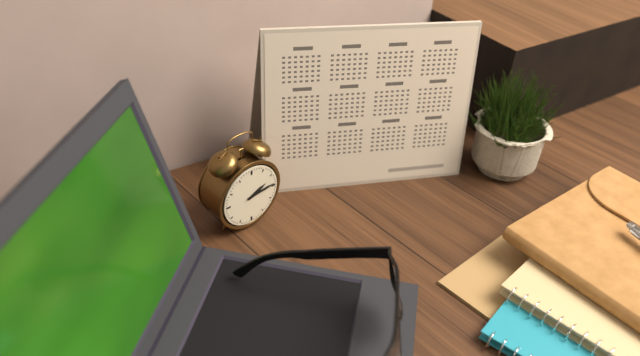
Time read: **2:14**
